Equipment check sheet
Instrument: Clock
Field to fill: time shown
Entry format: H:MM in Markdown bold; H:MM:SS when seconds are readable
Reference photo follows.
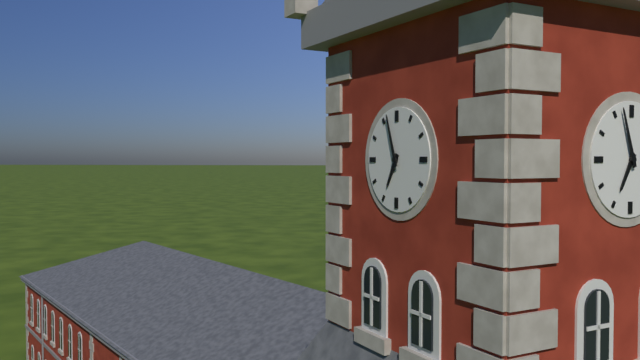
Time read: **6:57**
